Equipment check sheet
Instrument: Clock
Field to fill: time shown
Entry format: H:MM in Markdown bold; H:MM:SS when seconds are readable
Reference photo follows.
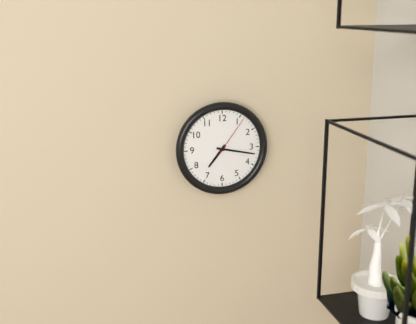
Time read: **7:17**
